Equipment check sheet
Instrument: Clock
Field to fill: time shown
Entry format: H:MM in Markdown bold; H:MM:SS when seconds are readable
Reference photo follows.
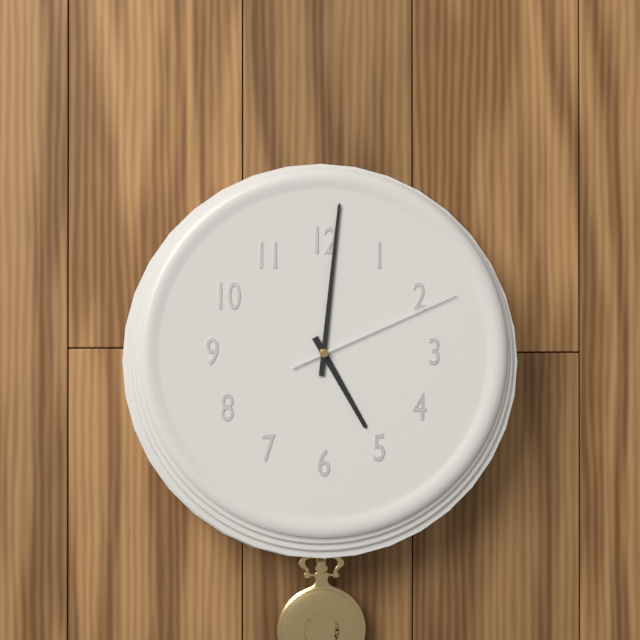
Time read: **5:01:11**
